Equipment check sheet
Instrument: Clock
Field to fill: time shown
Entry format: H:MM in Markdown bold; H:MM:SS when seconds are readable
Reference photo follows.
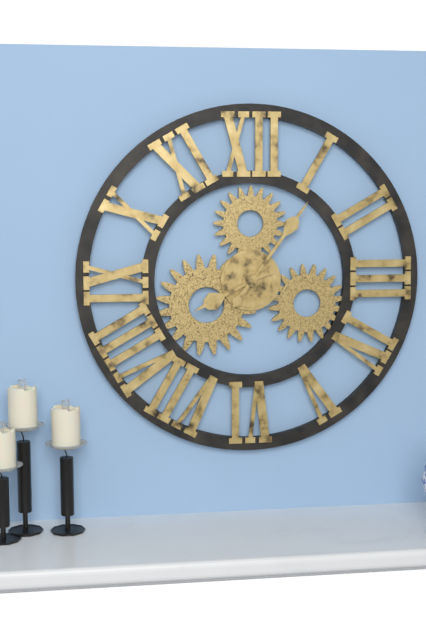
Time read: **8:06**
